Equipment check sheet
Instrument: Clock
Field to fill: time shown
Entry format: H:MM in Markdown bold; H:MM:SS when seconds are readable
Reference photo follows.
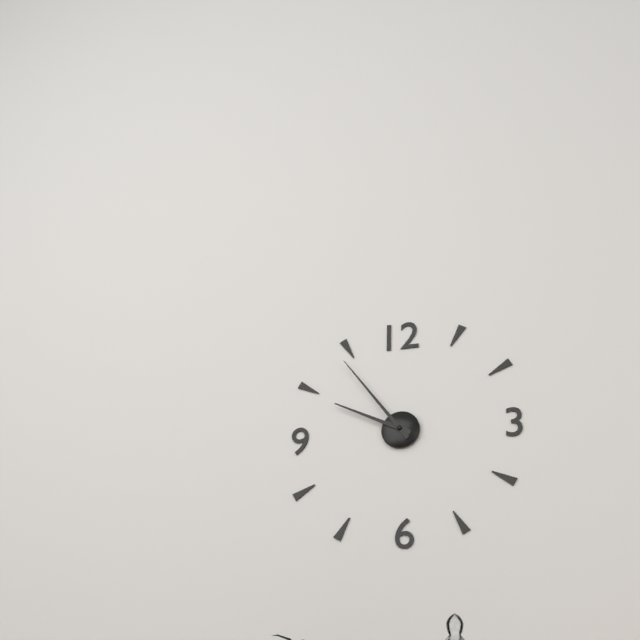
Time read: **9:54**
